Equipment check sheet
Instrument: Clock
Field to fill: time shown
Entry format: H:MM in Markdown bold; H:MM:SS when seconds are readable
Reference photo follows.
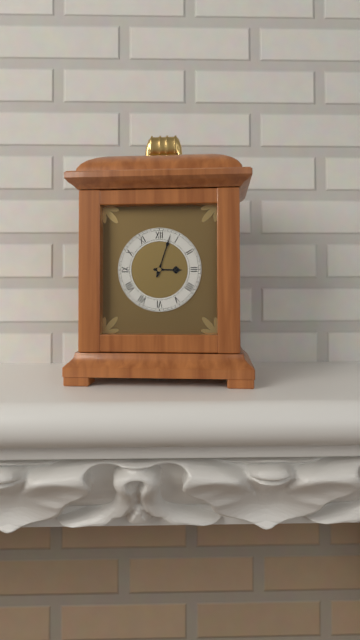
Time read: **3:03**
